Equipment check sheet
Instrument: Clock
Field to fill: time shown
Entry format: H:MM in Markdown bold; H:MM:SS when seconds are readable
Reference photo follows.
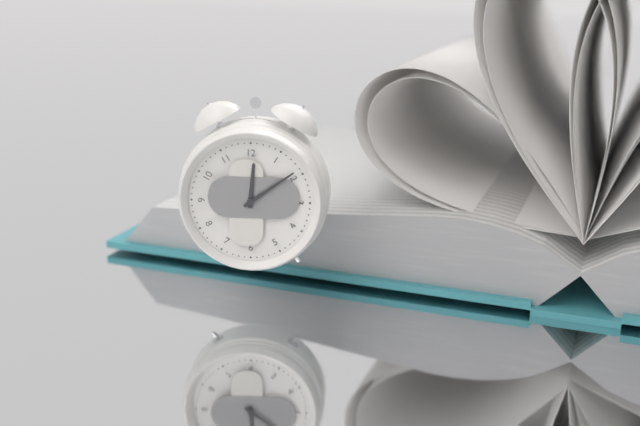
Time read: **12:09**
